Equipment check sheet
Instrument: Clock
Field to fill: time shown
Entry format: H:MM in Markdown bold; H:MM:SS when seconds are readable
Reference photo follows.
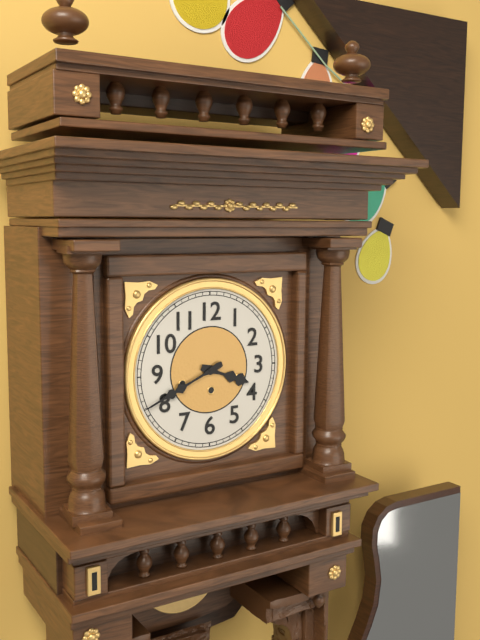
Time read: **3:41**
